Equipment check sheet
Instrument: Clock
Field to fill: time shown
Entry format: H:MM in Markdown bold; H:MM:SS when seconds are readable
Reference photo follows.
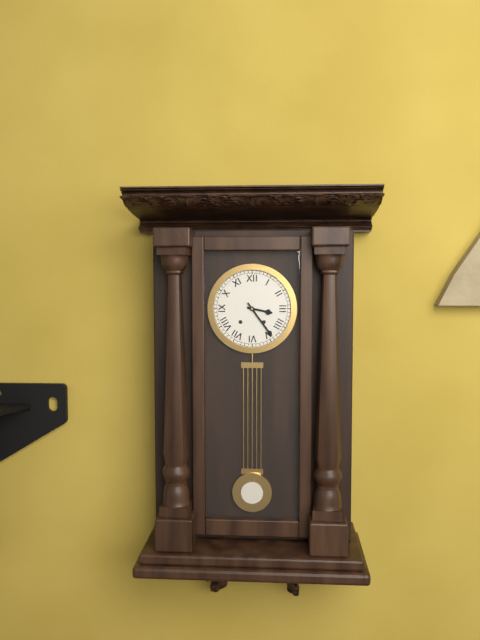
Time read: **3:24**
